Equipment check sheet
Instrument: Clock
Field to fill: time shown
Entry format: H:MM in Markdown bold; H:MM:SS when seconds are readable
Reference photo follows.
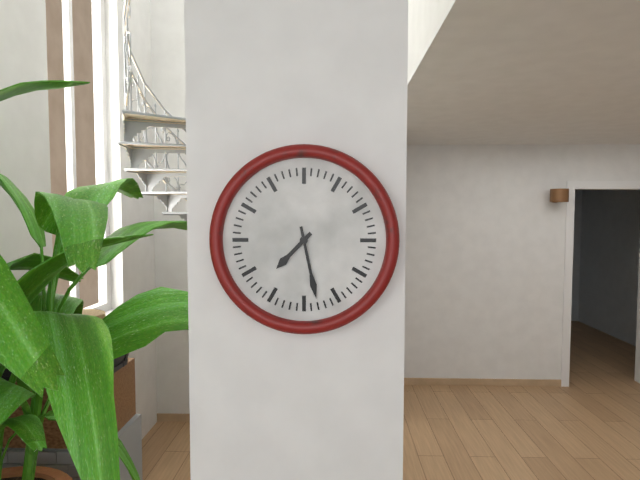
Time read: **7:28**
